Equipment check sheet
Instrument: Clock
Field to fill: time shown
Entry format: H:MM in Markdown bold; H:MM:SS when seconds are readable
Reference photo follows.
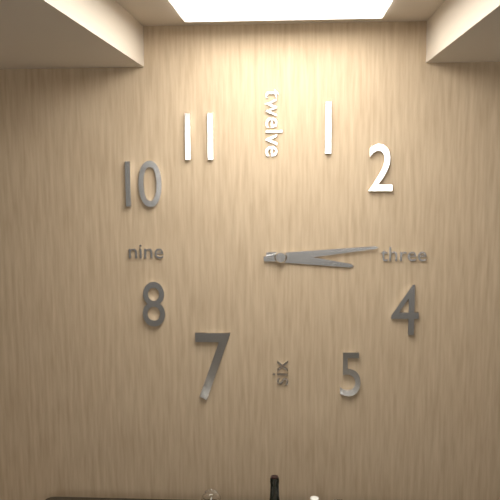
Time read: **3:14**
